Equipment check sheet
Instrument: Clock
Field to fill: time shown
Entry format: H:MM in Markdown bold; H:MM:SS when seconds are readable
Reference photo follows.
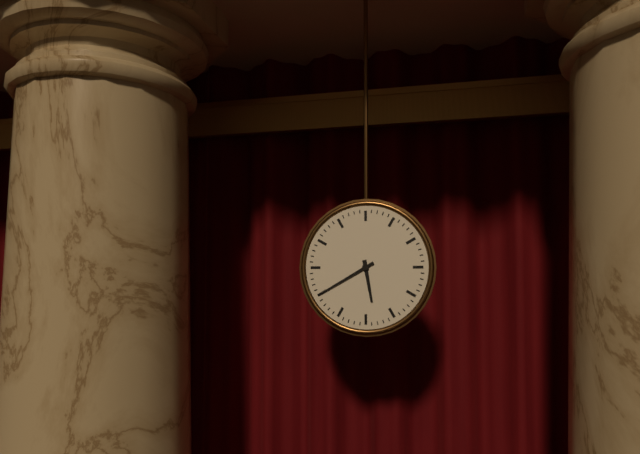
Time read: **5:40**
